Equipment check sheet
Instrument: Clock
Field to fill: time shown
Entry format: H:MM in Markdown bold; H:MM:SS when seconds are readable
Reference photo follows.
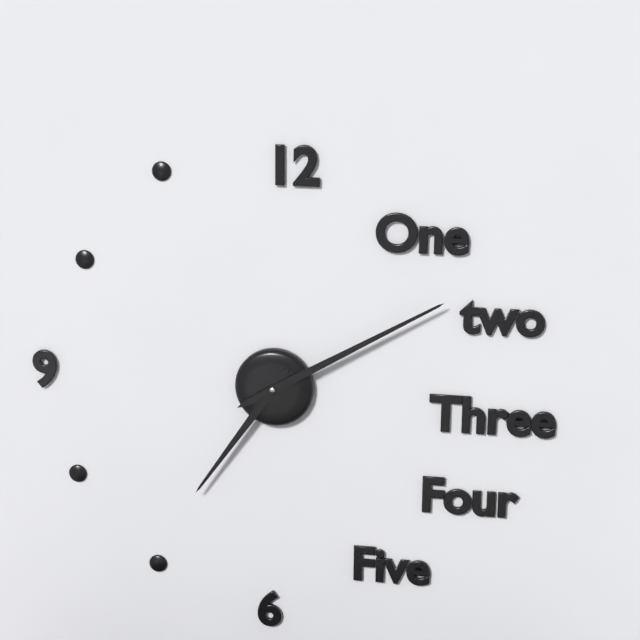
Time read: **7:10**
